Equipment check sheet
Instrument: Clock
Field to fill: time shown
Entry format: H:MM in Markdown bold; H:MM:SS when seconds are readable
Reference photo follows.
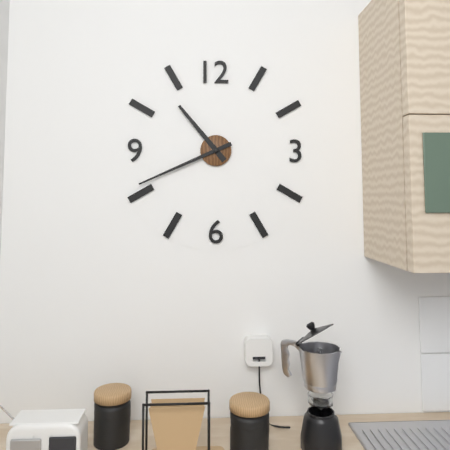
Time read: **10:41**
